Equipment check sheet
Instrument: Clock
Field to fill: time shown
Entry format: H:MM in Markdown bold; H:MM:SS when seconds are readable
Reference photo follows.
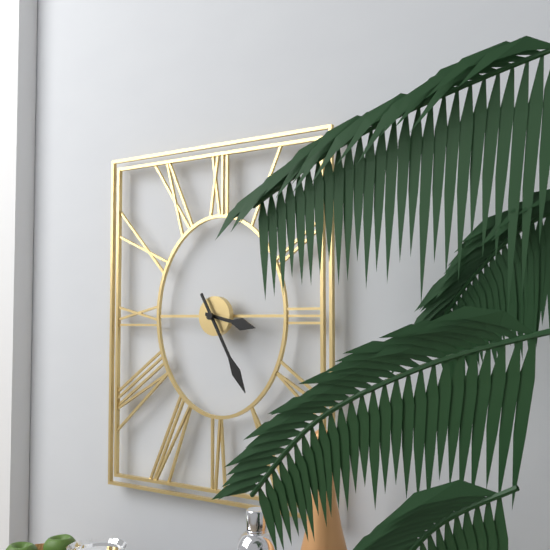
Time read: **3:25**
